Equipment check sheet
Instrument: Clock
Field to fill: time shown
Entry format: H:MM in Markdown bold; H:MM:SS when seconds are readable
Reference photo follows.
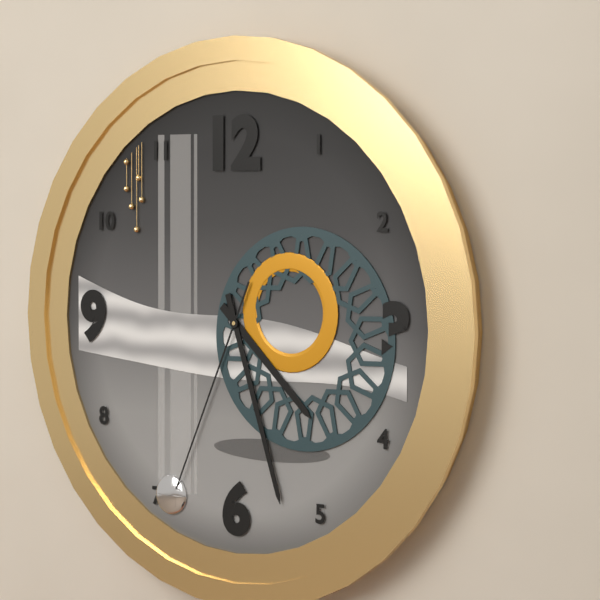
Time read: **4:27:34**
